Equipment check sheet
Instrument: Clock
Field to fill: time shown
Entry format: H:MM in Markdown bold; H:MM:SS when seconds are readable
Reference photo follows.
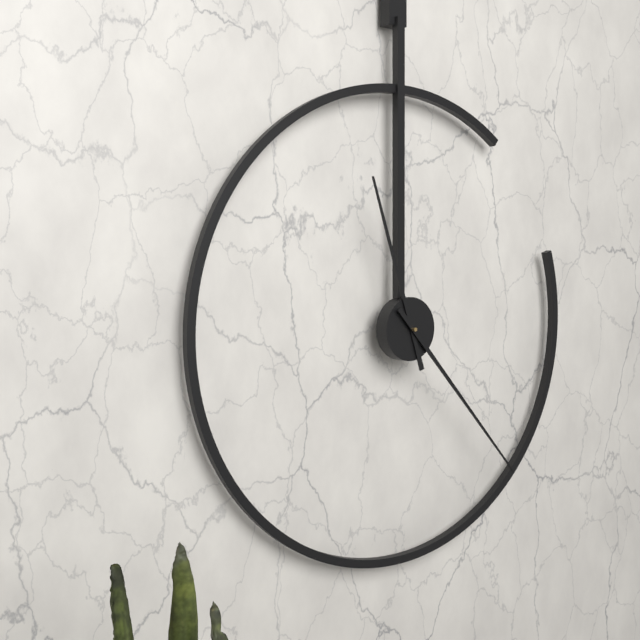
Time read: **11:23**
